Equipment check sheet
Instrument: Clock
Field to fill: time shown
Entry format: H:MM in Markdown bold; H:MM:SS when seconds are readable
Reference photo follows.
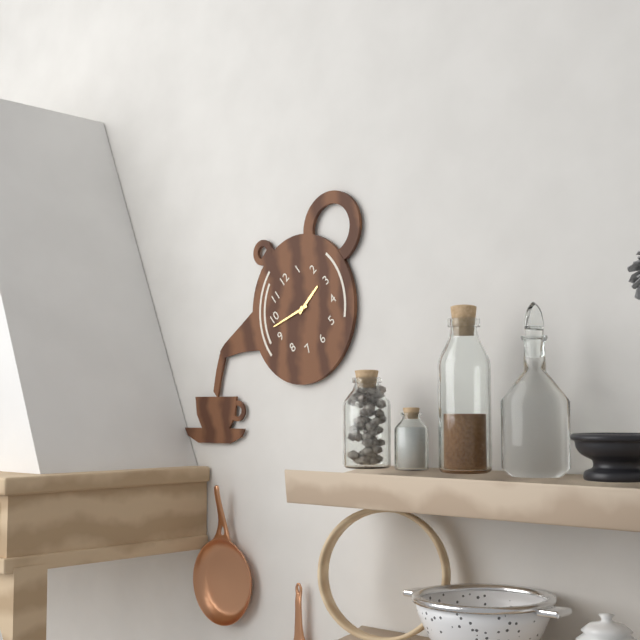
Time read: **2:48**
